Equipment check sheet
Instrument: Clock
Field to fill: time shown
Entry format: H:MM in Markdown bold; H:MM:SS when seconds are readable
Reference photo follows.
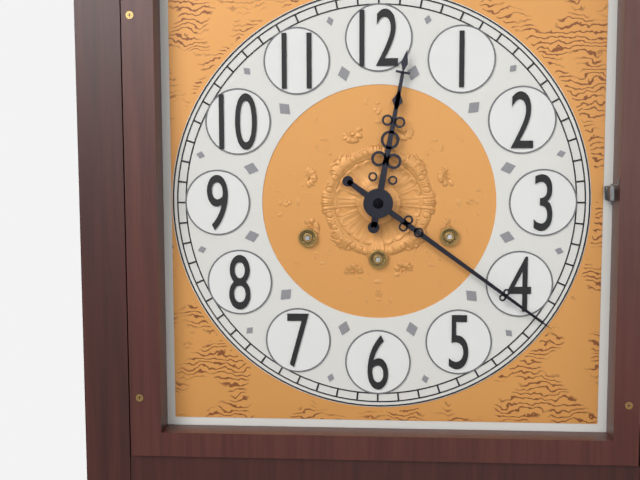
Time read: **12:21**
